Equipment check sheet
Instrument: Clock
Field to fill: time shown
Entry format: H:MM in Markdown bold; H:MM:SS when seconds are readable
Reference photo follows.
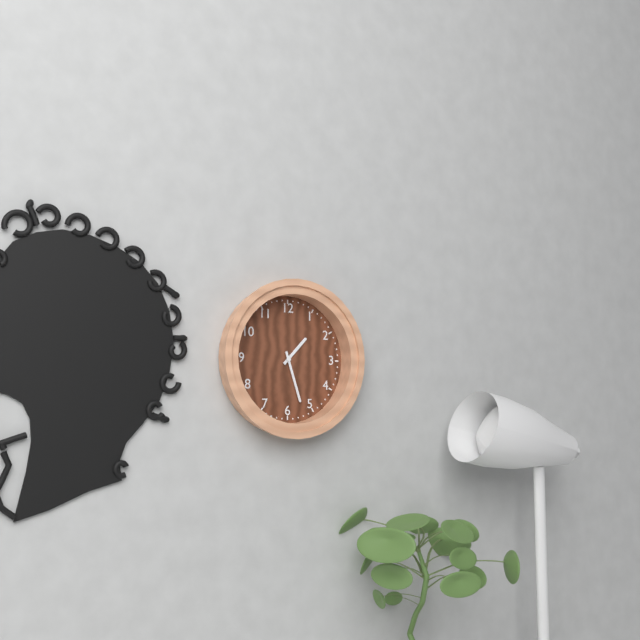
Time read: **1:27**
